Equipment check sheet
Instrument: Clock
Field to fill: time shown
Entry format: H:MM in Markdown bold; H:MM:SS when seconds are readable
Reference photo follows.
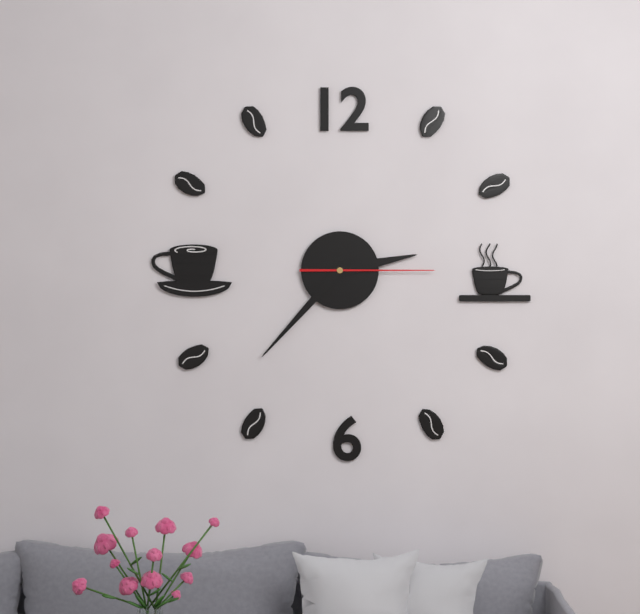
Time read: **2:37:15**
